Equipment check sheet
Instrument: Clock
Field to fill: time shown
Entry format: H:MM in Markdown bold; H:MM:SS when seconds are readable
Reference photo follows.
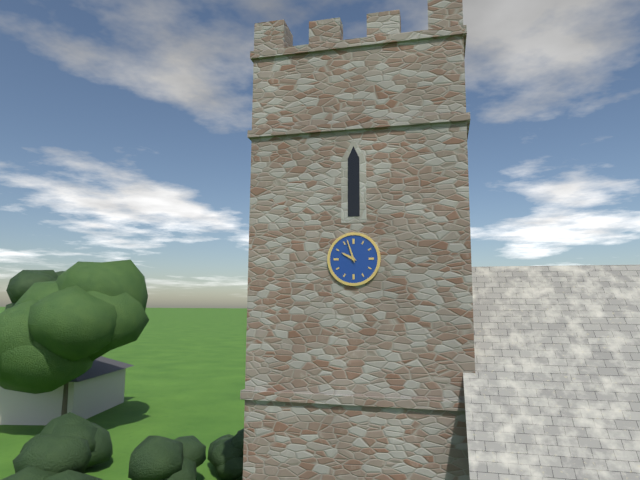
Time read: **9:57**
